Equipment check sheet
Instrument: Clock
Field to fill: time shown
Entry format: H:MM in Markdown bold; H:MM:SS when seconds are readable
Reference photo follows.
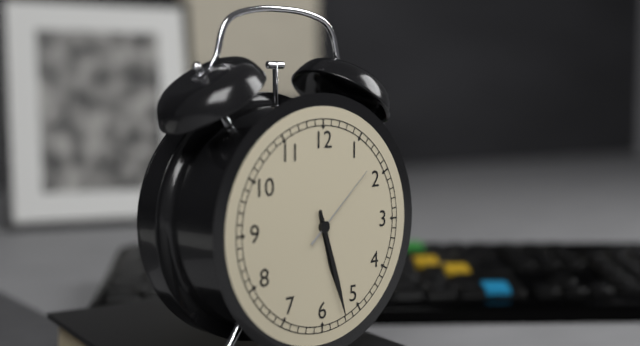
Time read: **5:27:08**
